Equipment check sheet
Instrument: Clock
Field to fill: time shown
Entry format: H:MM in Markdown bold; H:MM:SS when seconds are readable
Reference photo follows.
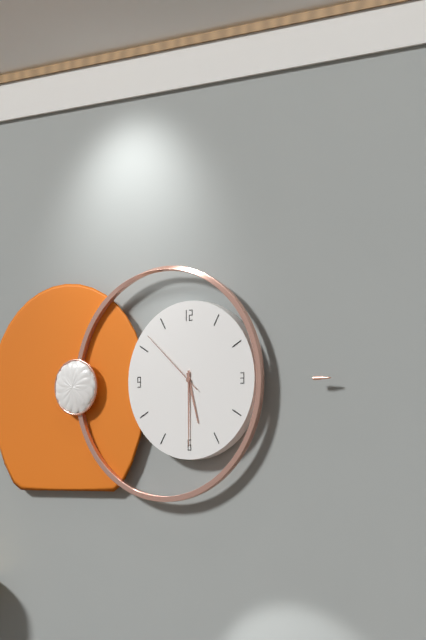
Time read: **5:30:52**
